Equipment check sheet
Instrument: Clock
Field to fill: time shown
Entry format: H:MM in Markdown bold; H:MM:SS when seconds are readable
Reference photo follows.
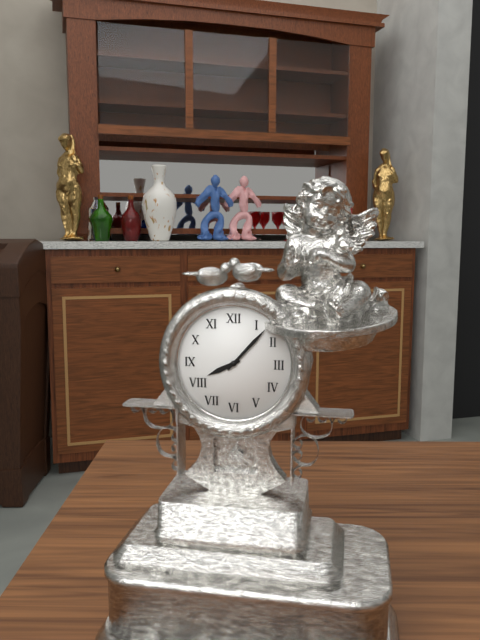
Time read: **8:07**
